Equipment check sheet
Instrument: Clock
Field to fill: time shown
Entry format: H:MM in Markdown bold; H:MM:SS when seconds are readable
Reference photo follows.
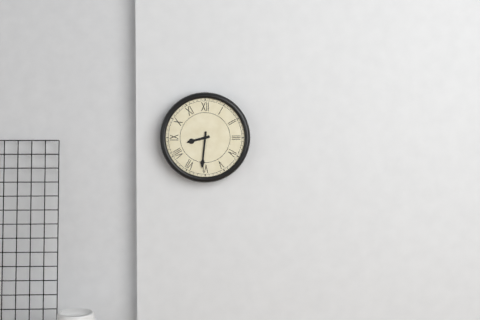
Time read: **8:31**
